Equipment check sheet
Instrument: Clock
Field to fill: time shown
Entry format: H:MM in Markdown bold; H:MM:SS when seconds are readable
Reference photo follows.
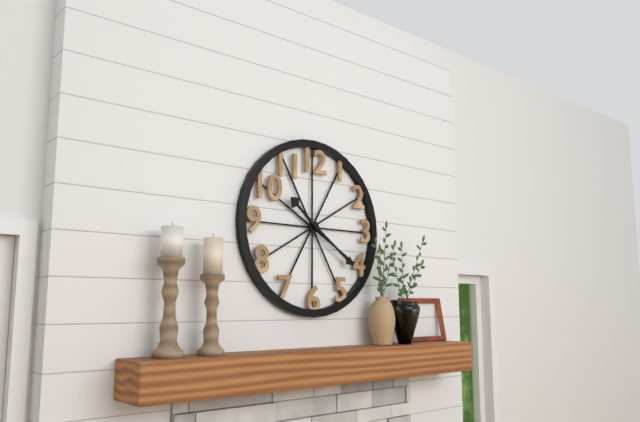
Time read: **10:21**
